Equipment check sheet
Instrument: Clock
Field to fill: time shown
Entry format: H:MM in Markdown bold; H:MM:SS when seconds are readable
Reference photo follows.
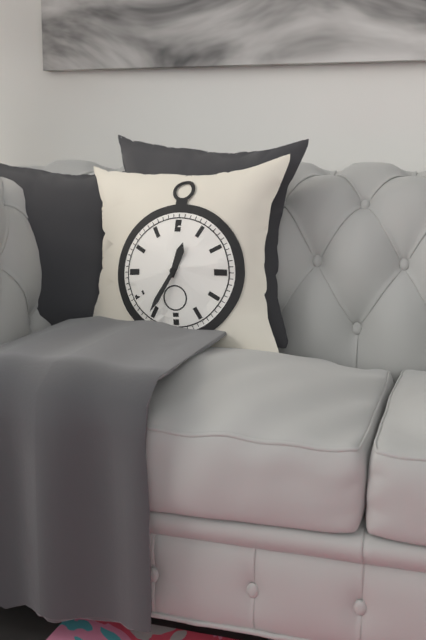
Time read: **12:35**
